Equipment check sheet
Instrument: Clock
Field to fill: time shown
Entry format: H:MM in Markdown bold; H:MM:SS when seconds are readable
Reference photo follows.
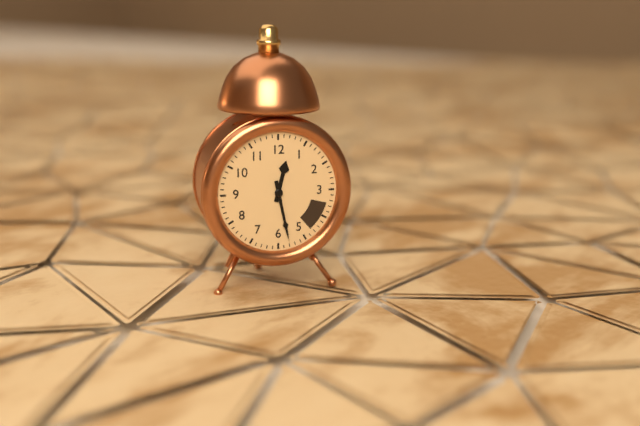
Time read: **12:28**
